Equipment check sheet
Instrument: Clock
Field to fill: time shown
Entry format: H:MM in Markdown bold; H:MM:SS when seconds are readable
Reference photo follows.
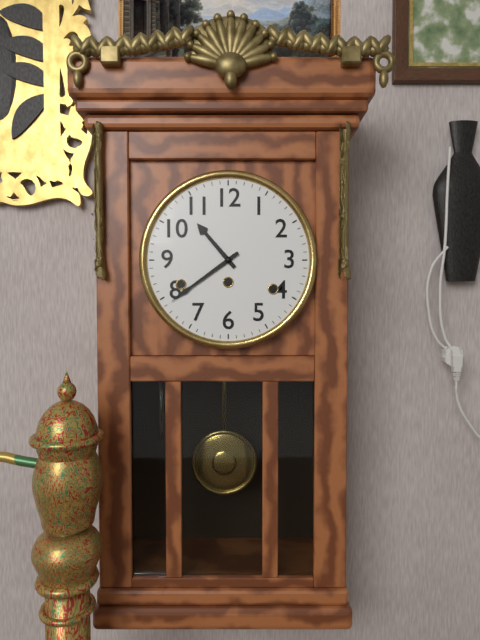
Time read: **10:39**
